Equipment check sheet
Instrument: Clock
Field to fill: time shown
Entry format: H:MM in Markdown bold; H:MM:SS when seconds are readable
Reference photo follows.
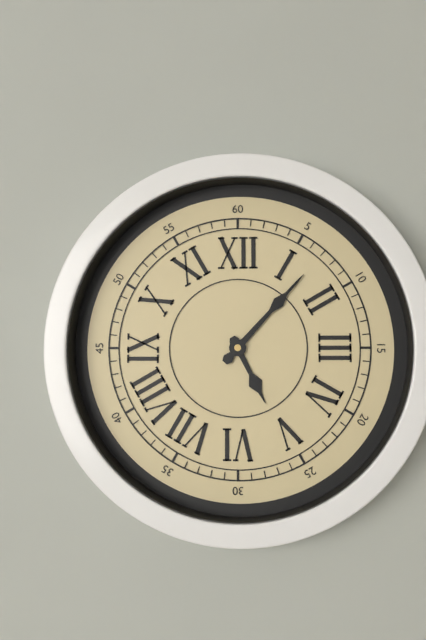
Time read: **5:07**
